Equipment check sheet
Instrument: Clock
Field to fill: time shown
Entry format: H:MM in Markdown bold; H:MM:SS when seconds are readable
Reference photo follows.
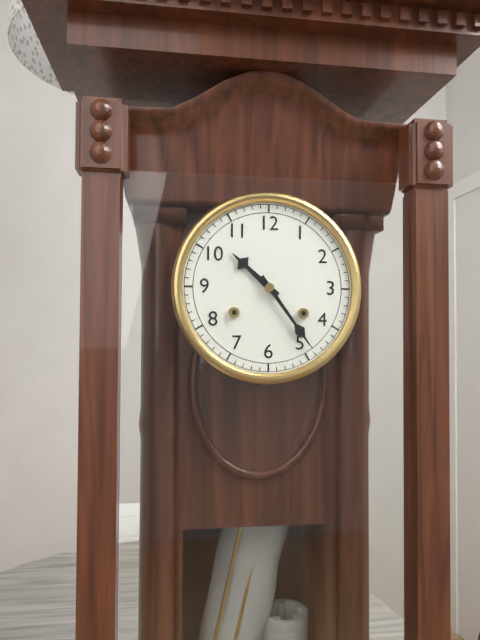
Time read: **10:24**
